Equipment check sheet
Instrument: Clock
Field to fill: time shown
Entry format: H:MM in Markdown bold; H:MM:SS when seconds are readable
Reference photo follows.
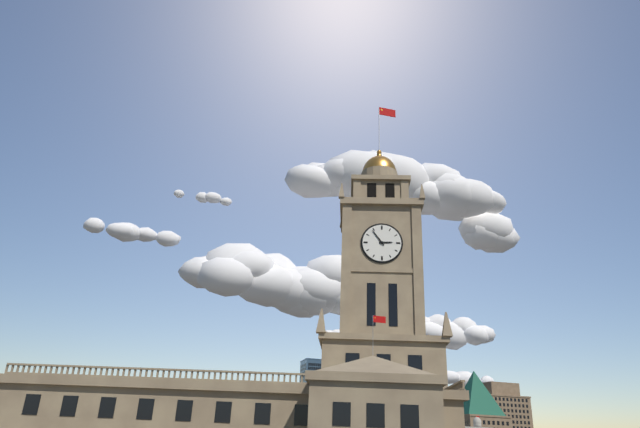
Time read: **2:54**
